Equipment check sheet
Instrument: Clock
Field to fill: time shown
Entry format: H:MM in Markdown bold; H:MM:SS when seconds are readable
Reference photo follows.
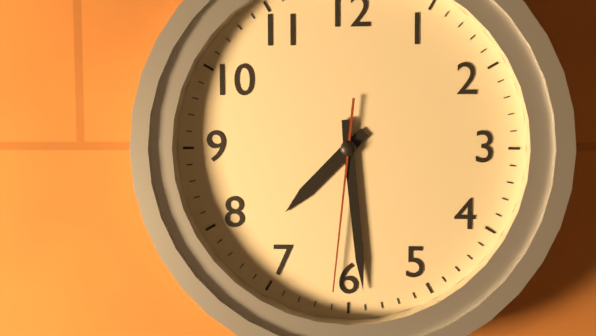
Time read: **7:29:31**
